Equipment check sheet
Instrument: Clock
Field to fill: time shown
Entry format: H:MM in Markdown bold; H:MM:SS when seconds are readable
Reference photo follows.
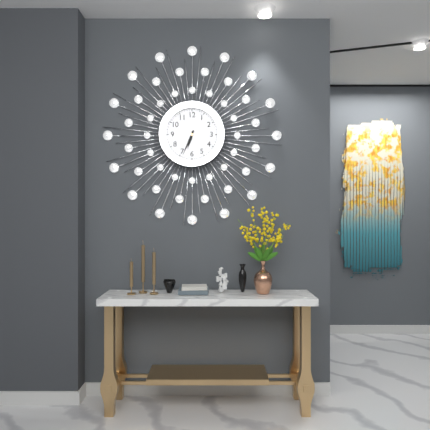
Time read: **6:34**
